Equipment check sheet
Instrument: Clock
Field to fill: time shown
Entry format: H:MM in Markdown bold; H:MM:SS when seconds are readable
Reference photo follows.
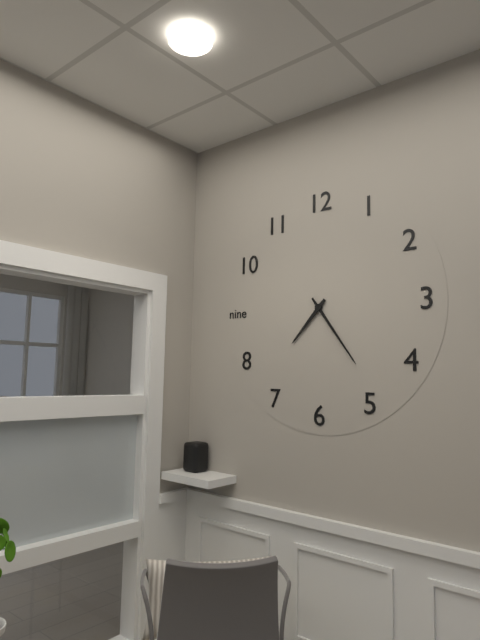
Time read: **7:24**
